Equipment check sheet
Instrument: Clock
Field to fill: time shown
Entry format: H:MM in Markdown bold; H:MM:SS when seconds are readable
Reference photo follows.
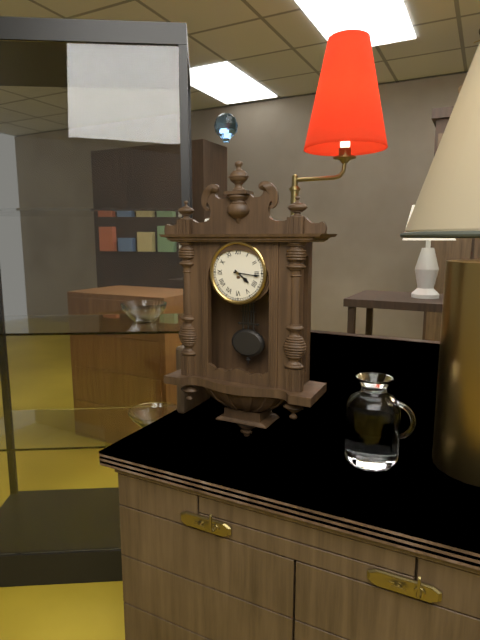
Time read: **4:16**
